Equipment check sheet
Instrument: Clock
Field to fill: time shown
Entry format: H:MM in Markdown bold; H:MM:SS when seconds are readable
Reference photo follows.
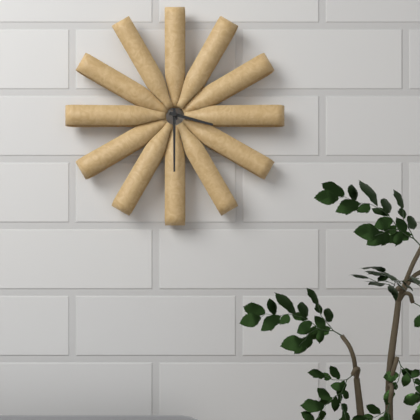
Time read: **3:30**
